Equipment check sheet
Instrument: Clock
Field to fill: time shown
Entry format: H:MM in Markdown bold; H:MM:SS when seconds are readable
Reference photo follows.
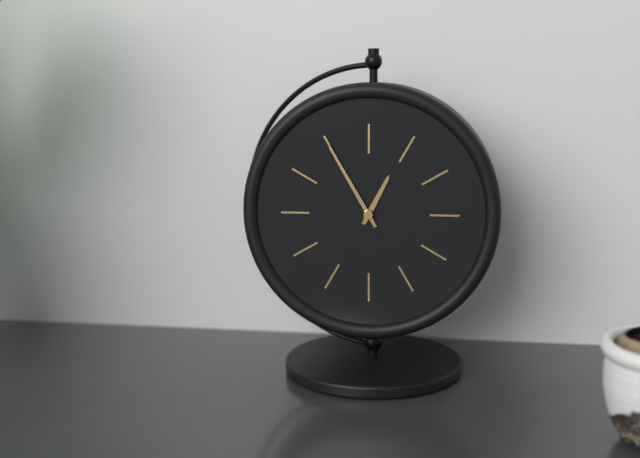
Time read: **12:55**
